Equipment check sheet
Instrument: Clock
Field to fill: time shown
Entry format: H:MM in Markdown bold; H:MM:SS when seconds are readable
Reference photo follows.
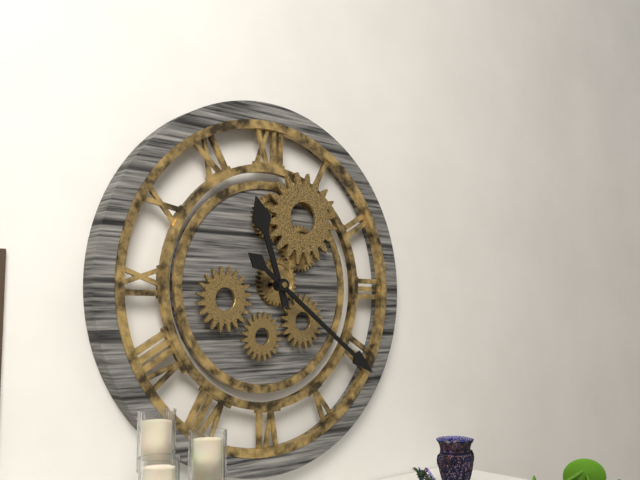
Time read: **11:21**
